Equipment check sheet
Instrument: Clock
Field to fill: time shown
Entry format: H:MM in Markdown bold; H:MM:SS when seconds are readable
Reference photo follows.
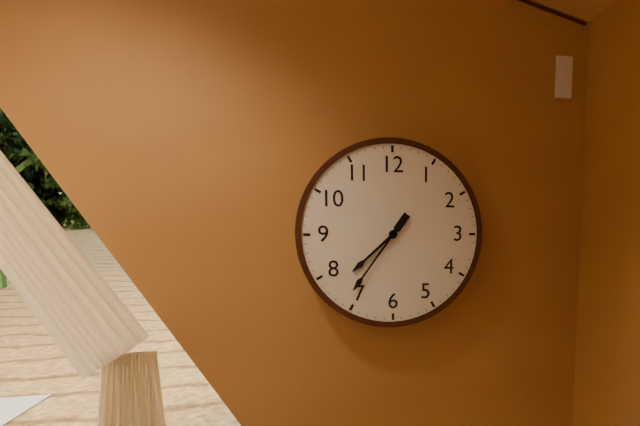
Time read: **7:36**
